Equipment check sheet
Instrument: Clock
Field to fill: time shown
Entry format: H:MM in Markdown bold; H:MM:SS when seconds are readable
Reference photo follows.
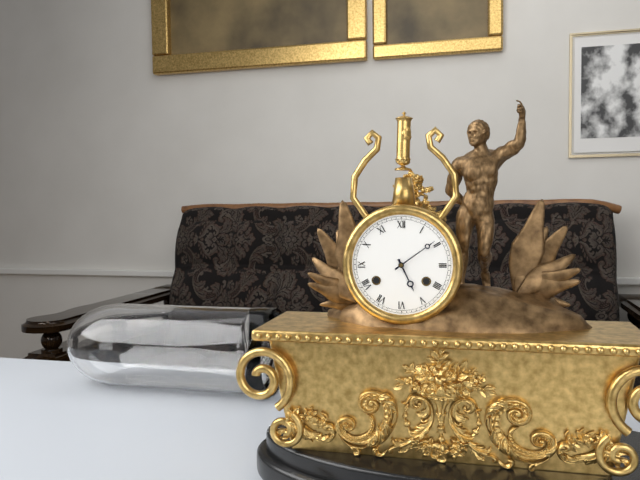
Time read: **5:09**
